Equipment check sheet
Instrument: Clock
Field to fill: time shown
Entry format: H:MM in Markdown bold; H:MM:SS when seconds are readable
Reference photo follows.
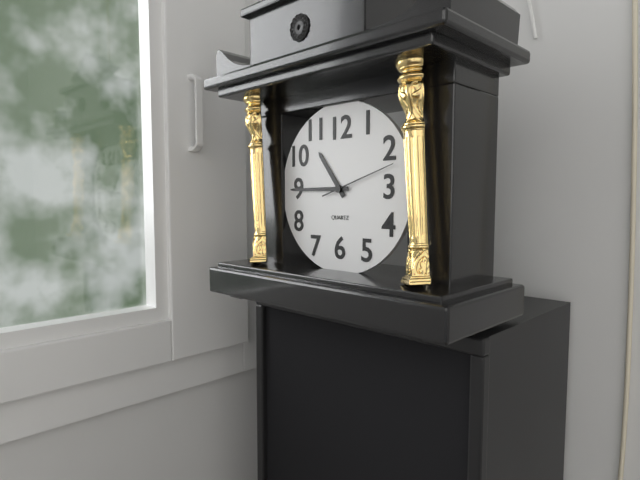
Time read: **10:45:12**
